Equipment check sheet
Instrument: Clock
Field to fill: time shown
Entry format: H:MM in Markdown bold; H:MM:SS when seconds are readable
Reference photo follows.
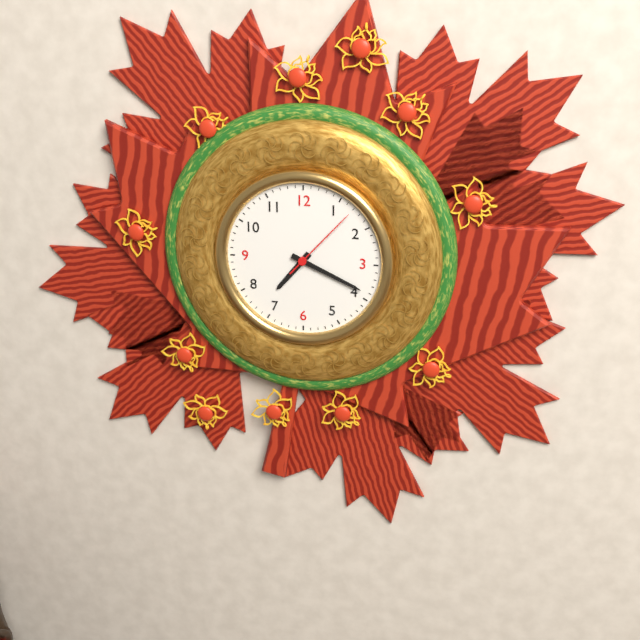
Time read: **7:19:07**
